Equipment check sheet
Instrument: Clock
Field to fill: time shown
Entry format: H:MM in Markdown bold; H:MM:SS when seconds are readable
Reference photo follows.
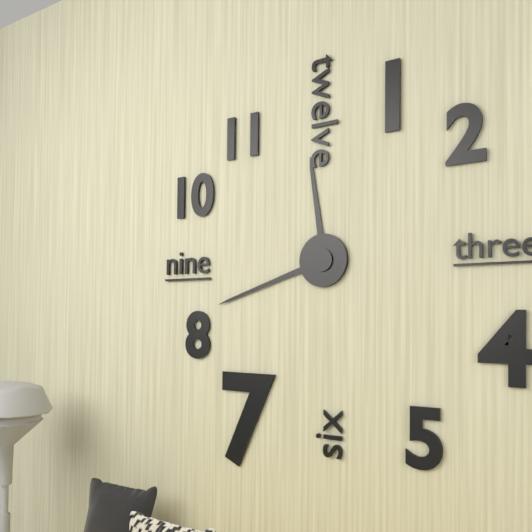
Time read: **11:42**
